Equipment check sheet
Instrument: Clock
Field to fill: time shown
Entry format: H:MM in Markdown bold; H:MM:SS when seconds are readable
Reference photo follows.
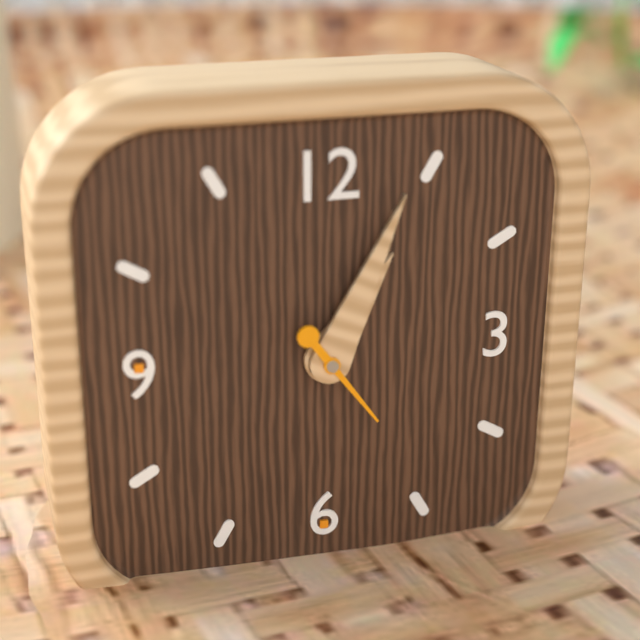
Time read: **1:04:24**
